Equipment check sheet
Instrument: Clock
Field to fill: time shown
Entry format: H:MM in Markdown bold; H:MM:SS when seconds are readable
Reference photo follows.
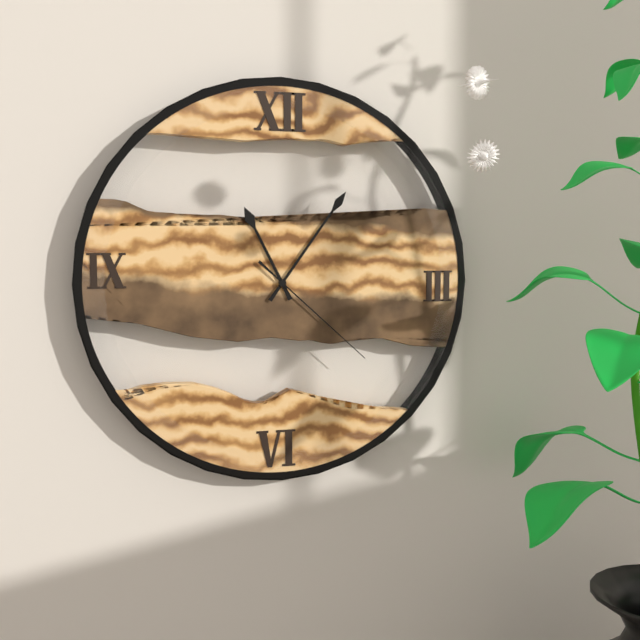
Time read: **11:06:22**
